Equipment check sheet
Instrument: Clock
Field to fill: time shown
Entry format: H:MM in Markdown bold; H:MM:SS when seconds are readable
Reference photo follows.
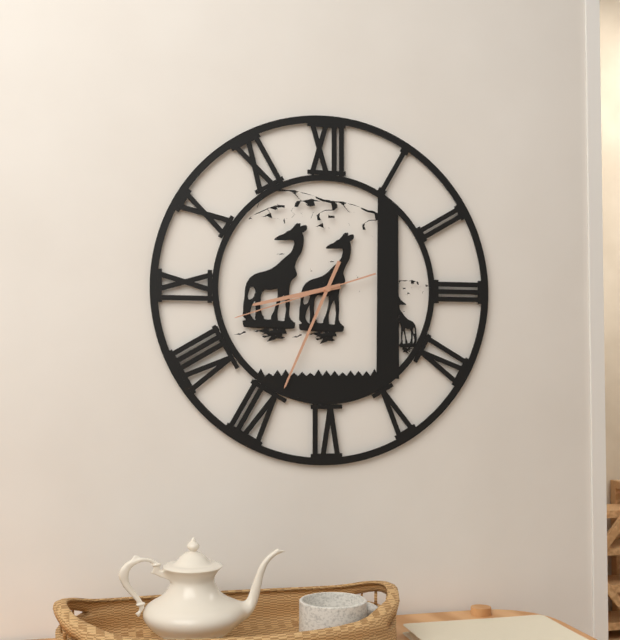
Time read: **8:34:42**
